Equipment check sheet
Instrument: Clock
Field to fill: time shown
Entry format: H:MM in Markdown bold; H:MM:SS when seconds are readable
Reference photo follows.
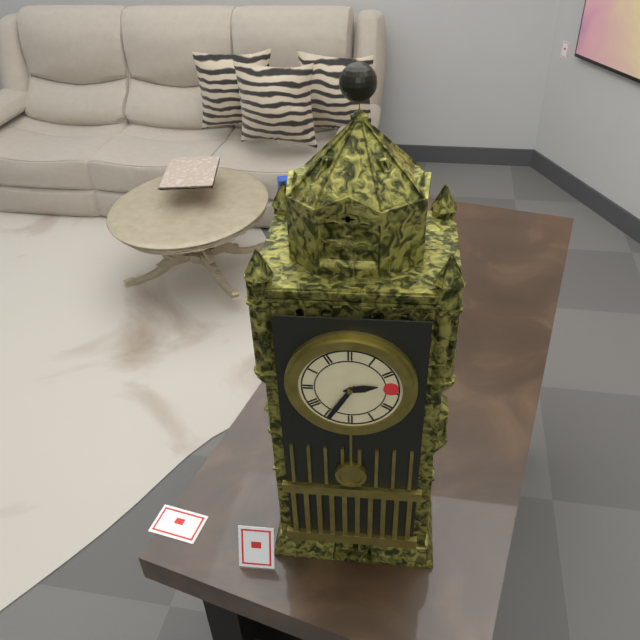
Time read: **2:35**
